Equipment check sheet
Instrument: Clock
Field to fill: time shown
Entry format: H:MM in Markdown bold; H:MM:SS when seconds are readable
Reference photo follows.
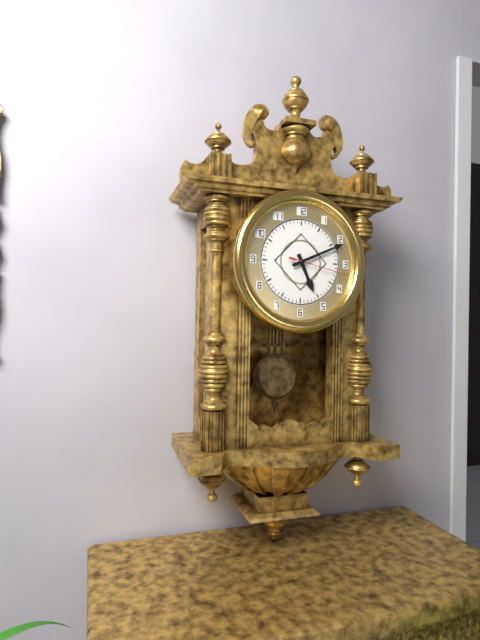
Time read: **5:11:17**
